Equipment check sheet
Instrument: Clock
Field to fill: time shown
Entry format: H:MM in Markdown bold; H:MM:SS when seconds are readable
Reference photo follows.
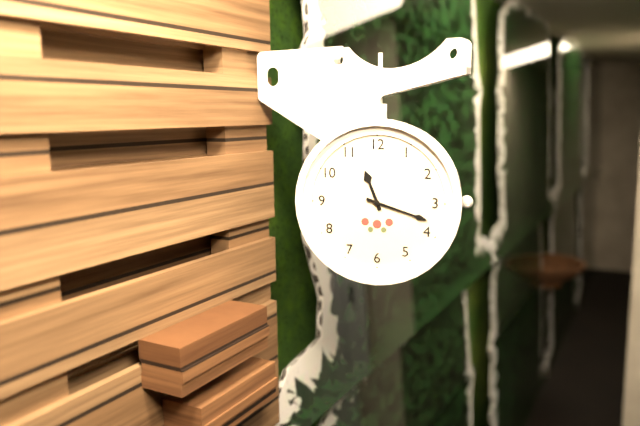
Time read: **11:18**
